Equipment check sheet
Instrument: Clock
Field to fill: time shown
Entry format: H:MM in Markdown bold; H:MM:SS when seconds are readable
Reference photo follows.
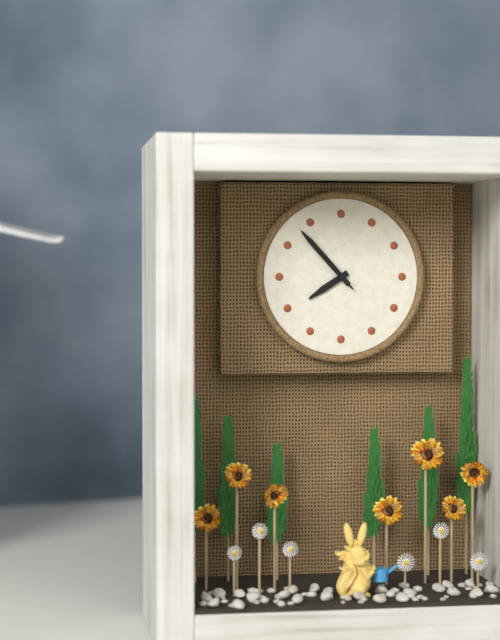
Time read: **7:53:53**
